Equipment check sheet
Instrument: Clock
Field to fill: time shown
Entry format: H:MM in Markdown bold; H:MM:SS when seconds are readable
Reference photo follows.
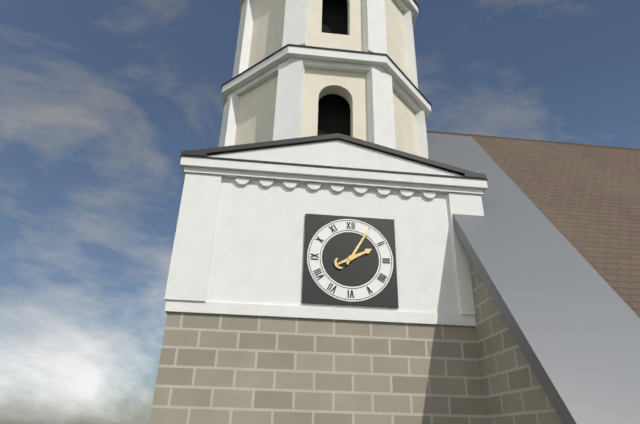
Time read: **2:05**
